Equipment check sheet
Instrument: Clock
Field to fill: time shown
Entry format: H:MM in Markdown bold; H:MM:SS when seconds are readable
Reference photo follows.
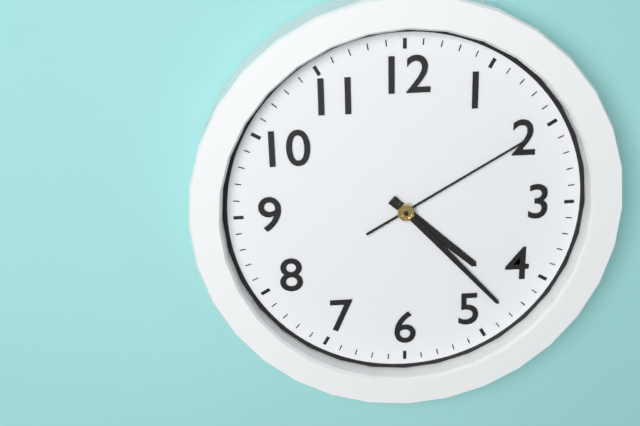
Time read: **4:23:10**
